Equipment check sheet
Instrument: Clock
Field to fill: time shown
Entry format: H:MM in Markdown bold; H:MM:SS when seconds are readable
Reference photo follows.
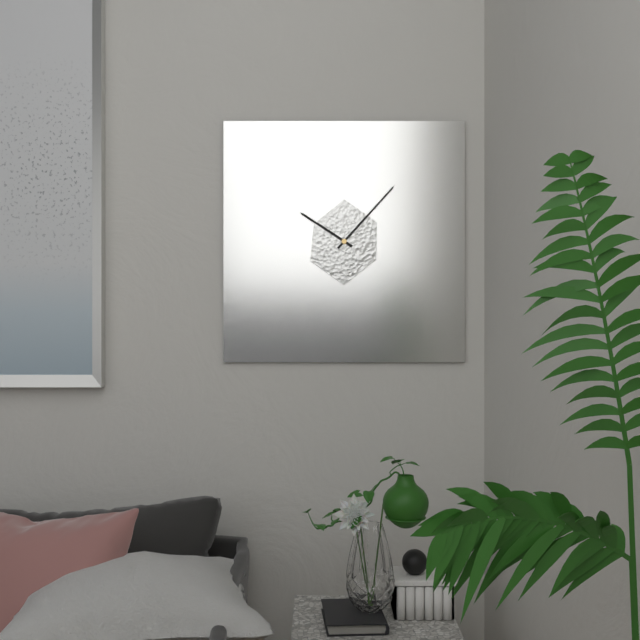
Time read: **10:07**
